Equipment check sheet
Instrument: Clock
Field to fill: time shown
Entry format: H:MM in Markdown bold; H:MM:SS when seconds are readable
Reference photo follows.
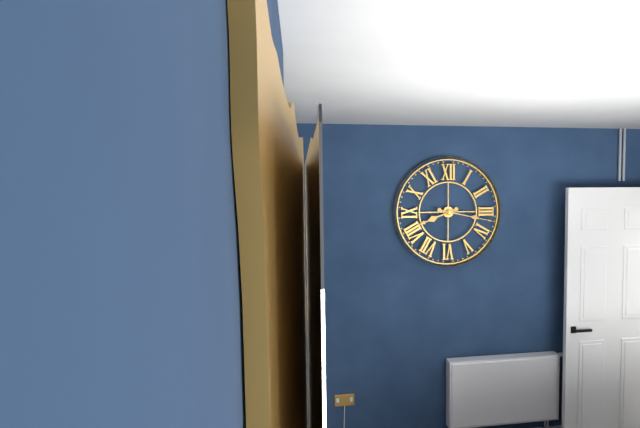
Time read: **8:17**
